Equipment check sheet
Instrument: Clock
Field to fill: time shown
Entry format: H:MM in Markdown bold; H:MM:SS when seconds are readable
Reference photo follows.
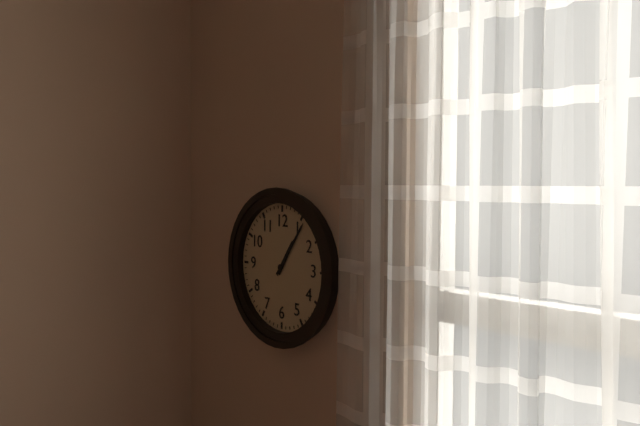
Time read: **1:06**
